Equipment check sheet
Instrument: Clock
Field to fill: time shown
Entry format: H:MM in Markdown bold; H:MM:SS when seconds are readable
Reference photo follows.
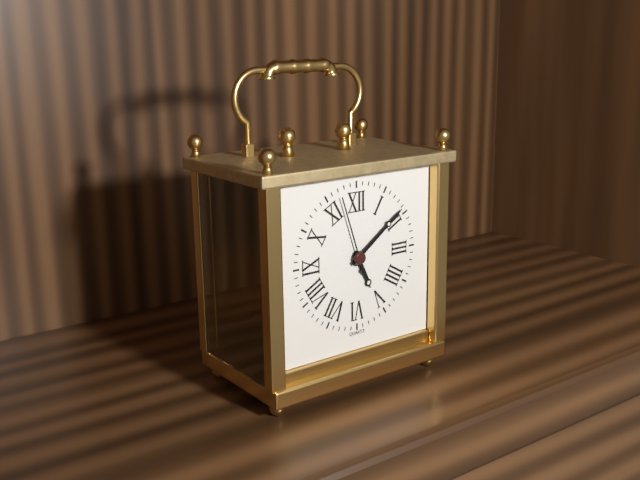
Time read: **5:09:57**
